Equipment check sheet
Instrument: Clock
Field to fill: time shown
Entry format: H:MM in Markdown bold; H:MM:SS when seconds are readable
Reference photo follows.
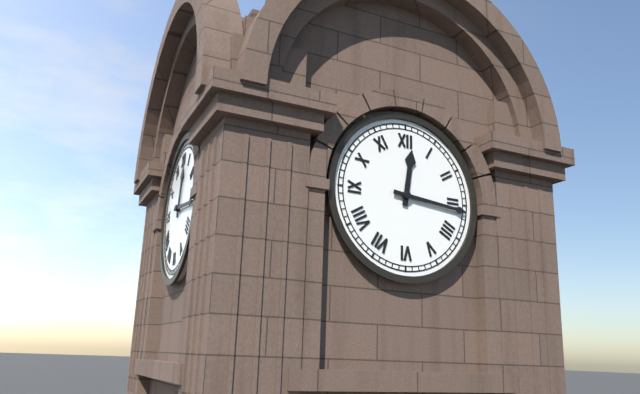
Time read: **12:16**
